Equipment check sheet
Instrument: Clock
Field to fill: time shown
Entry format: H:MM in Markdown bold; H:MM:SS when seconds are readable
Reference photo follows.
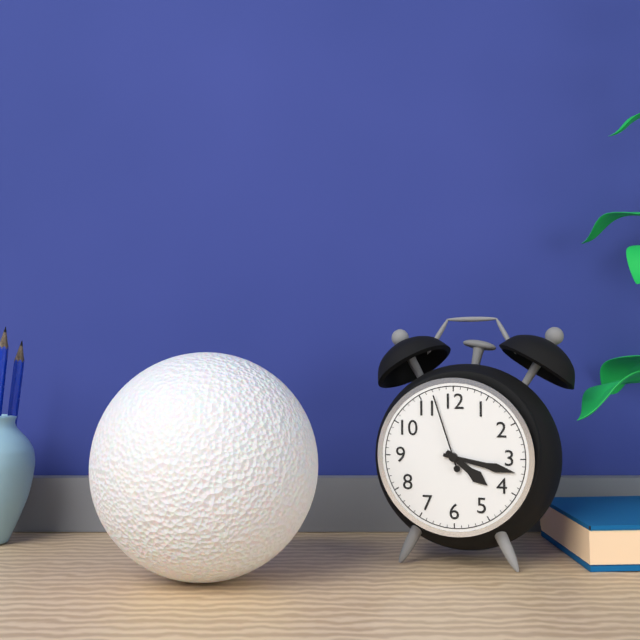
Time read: **4:17:57**
